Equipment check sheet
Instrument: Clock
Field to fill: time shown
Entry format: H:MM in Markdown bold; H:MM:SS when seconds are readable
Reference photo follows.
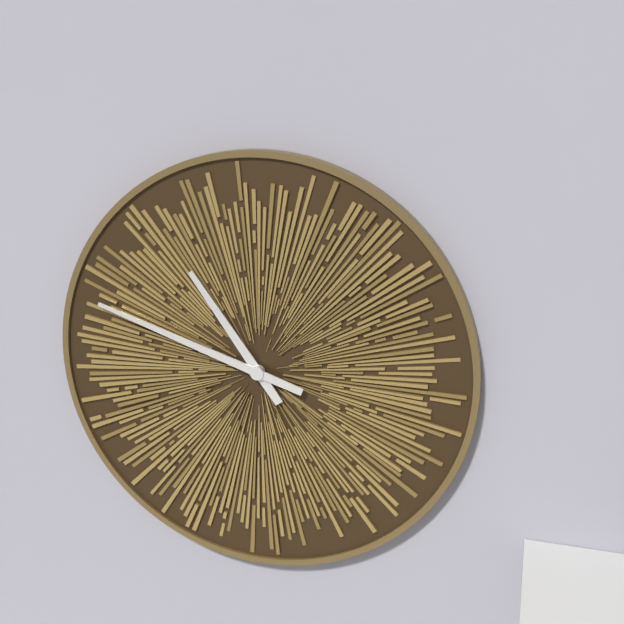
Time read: **10:48**
